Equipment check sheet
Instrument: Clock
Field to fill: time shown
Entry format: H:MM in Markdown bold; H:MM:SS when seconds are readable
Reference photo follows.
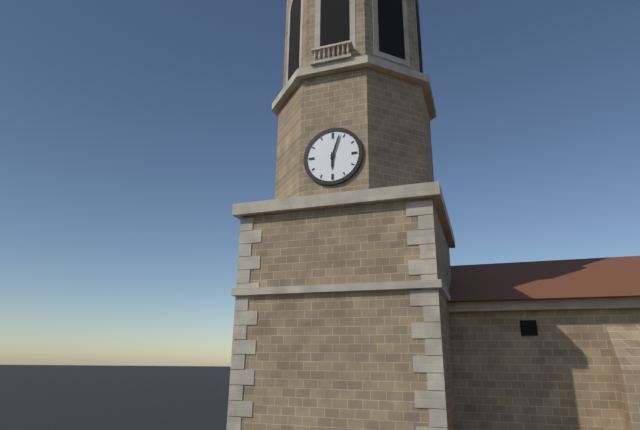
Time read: **6:03**
